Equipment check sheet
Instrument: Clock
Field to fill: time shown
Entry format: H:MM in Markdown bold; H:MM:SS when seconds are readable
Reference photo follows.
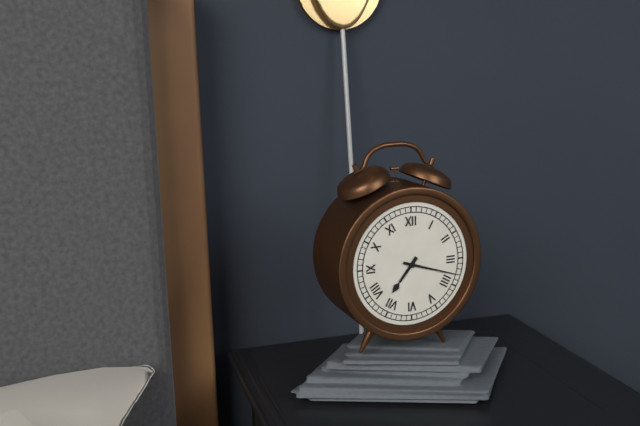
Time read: **7:18**
